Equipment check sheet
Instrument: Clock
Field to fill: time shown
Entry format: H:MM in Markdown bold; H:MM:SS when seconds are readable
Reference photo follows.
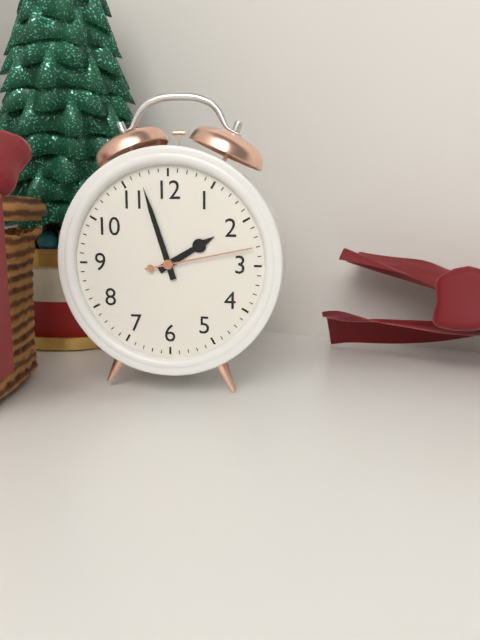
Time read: **1:57:13**
